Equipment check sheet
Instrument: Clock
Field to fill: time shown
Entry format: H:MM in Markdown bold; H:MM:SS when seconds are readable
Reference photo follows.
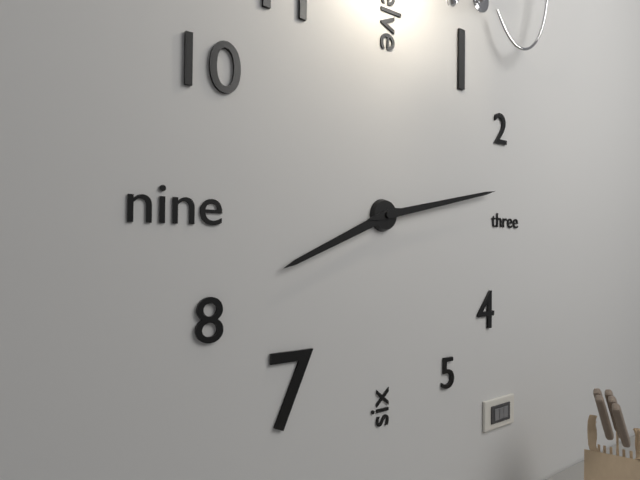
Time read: **8:13**
